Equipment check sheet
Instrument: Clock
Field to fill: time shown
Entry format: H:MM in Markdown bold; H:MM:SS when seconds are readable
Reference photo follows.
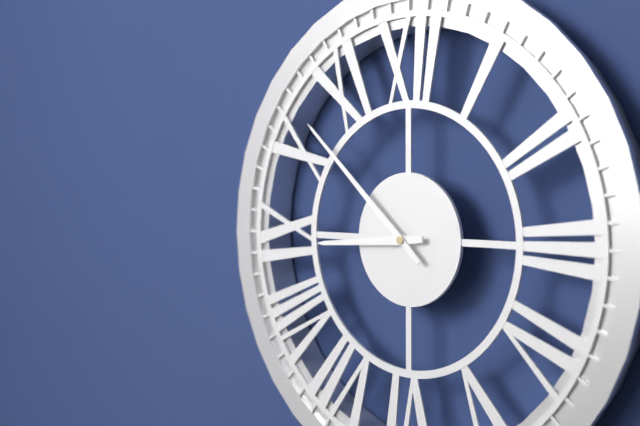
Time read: **8:52**
